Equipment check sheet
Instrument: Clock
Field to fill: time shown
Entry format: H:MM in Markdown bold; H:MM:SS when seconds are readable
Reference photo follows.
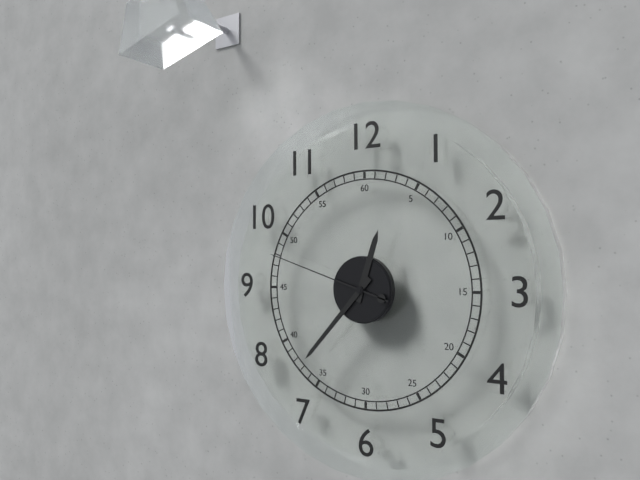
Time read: **12:37:48**
